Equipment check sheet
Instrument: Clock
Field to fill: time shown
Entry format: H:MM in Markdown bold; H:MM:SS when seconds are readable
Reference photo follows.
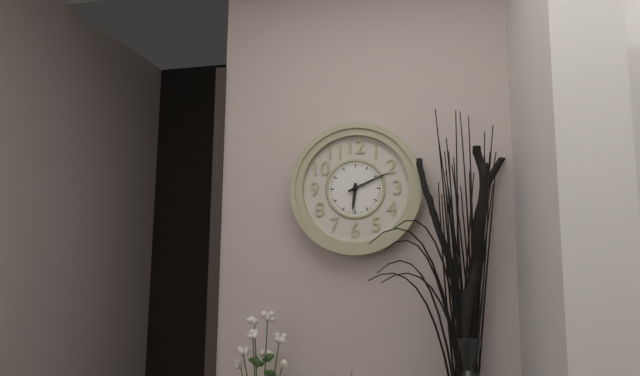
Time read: **6:11**
